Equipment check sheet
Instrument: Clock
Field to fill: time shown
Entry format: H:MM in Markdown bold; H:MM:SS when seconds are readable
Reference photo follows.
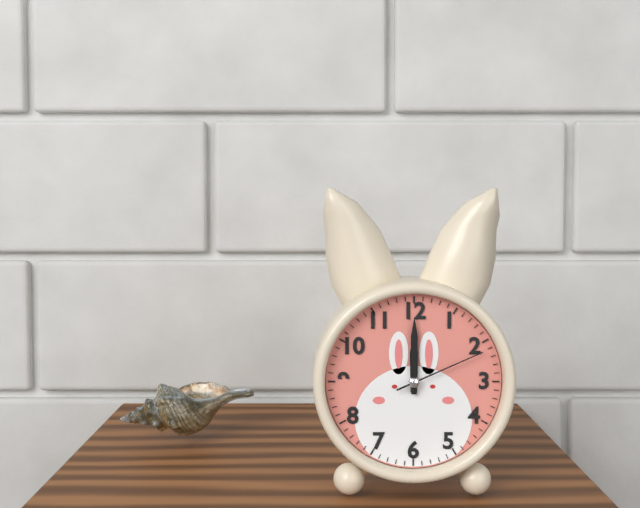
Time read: **12:00:11**
